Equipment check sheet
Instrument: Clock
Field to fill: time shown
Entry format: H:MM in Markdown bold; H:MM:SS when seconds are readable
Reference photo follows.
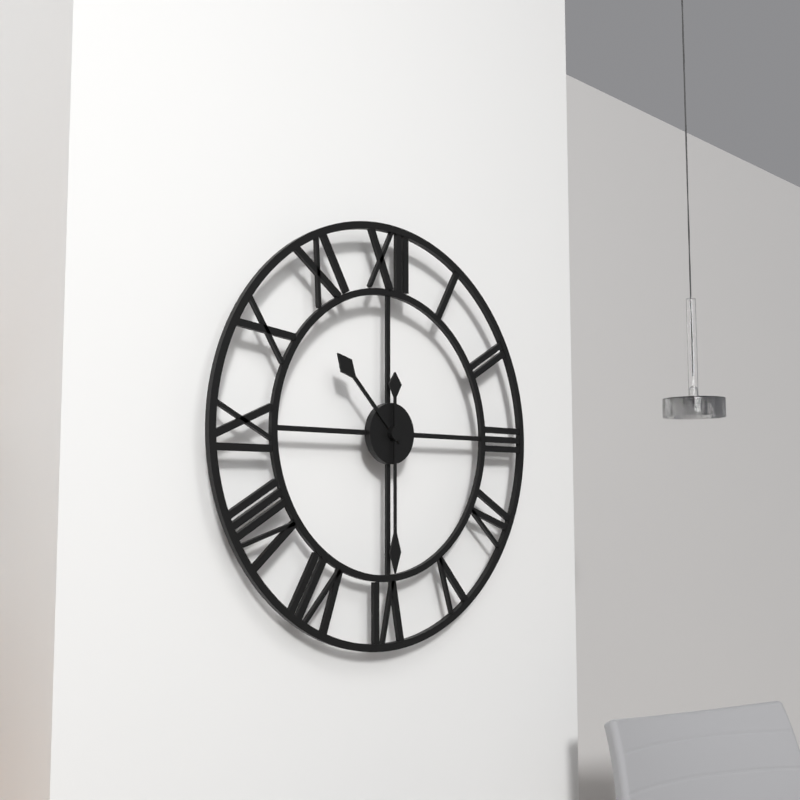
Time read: **10:30**
